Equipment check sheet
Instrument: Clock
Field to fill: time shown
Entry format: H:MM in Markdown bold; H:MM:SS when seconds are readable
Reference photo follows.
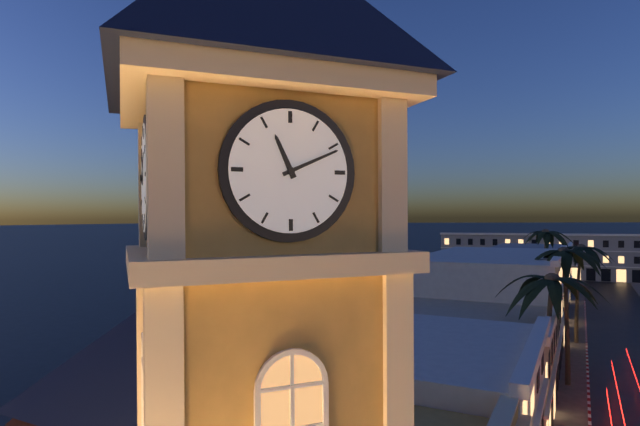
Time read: **11:11**
